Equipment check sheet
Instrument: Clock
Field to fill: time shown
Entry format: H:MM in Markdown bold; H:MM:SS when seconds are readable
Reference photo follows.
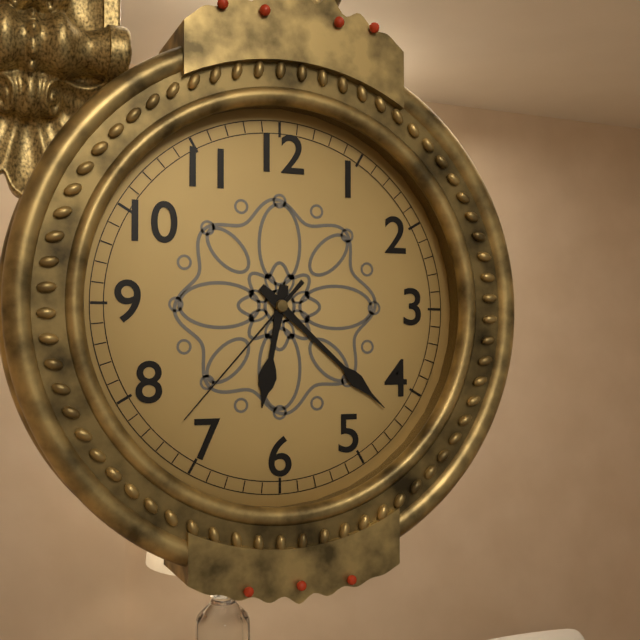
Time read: **6:22:37**
